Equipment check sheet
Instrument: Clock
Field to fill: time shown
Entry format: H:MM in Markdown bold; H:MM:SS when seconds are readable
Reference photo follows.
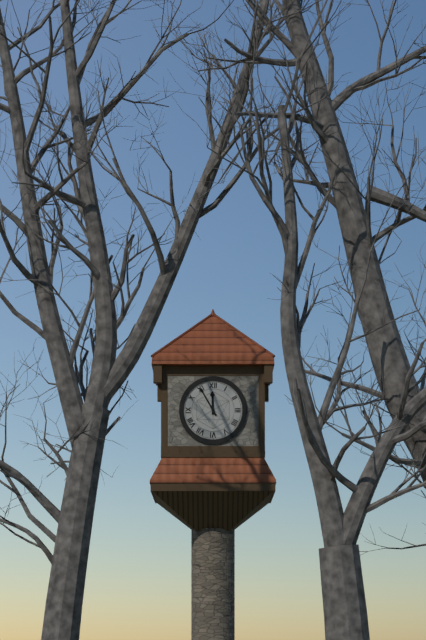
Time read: **11:55**
